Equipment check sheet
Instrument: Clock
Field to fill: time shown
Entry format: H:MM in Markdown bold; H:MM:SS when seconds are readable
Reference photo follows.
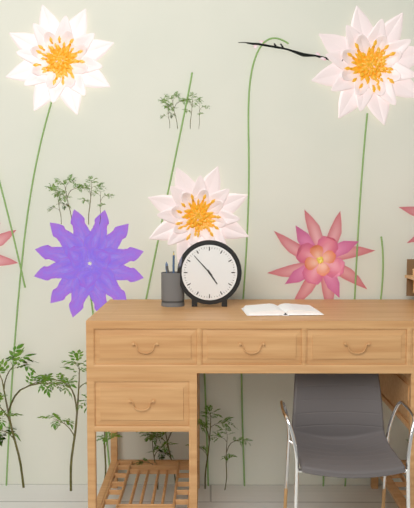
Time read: **4:53**
